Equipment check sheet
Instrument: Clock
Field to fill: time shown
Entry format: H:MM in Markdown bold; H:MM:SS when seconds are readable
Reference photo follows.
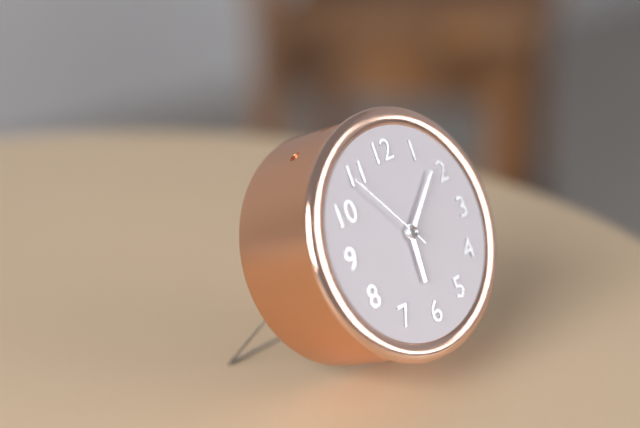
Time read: **6:08:54**
